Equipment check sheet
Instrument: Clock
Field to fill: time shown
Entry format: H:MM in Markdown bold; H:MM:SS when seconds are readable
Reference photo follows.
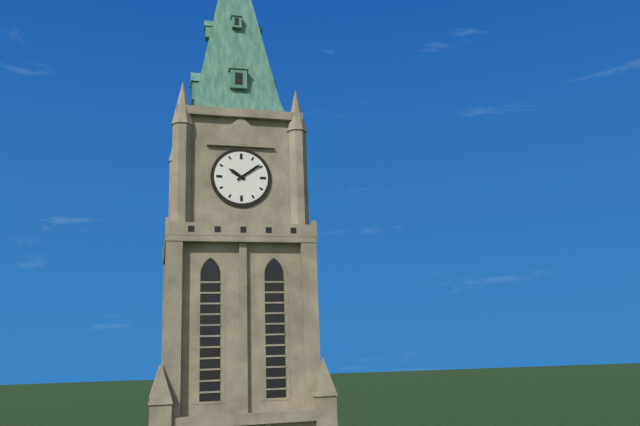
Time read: **10:09**
